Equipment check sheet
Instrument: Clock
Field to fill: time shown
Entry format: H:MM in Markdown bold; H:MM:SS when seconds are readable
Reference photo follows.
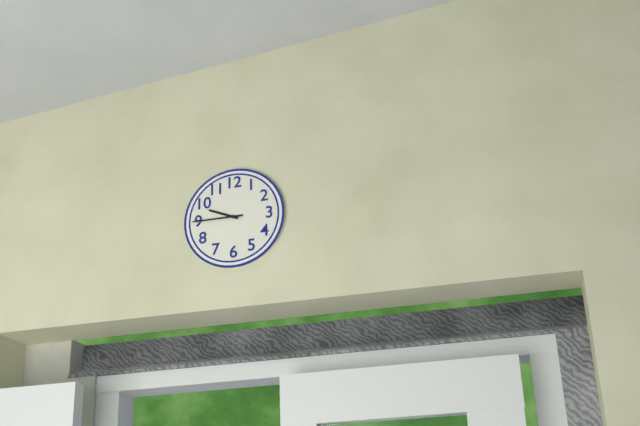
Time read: **9:45**
